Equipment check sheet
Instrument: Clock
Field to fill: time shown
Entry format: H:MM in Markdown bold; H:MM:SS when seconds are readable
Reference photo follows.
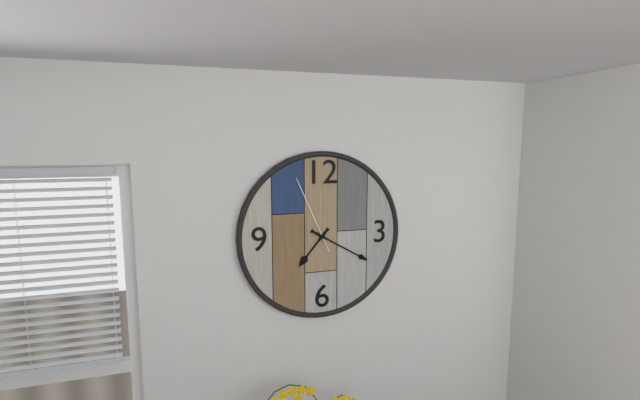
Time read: **7:20:56**
